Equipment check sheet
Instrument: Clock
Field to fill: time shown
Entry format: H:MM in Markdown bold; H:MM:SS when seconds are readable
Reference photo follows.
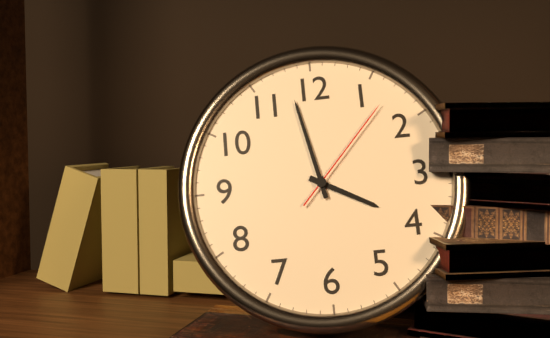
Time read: **3:58:07**
